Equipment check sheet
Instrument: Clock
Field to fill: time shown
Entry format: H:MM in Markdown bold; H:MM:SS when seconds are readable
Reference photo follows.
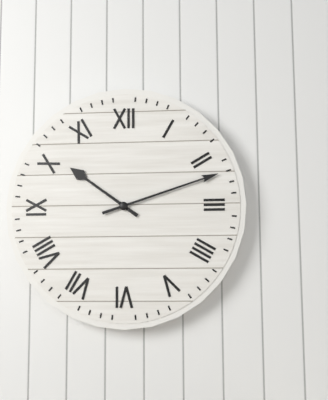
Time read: **10:12**
